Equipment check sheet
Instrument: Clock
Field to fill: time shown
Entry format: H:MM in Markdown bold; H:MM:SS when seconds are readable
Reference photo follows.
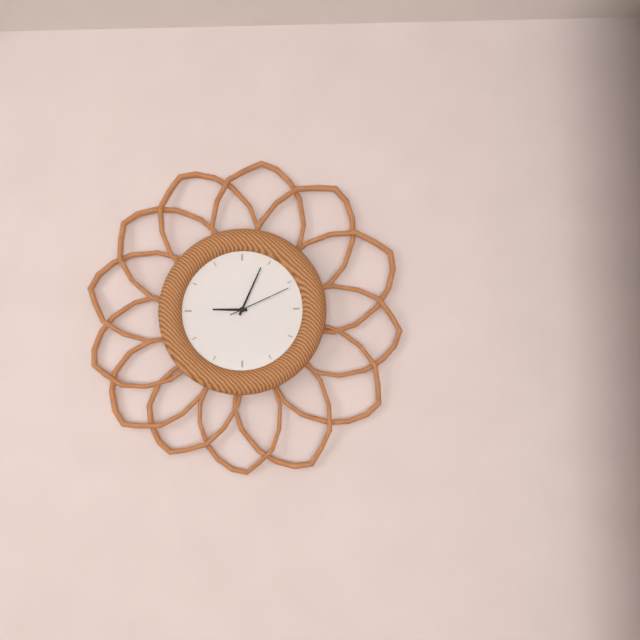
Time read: **9:04:11**
